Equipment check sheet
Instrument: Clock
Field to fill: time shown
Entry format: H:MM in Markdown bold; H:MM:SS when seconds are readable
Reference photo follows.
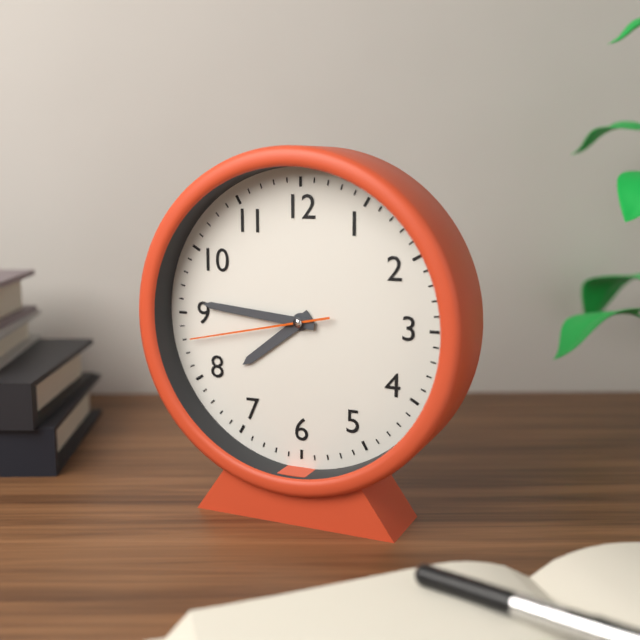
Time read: **7:46:43**
